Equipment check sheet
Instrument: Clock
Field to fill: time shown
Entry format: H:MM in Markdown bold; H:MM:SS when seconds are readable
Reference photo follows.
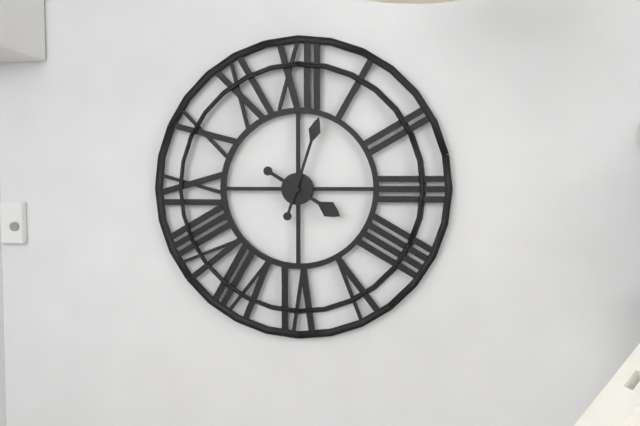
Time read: **4:03**
